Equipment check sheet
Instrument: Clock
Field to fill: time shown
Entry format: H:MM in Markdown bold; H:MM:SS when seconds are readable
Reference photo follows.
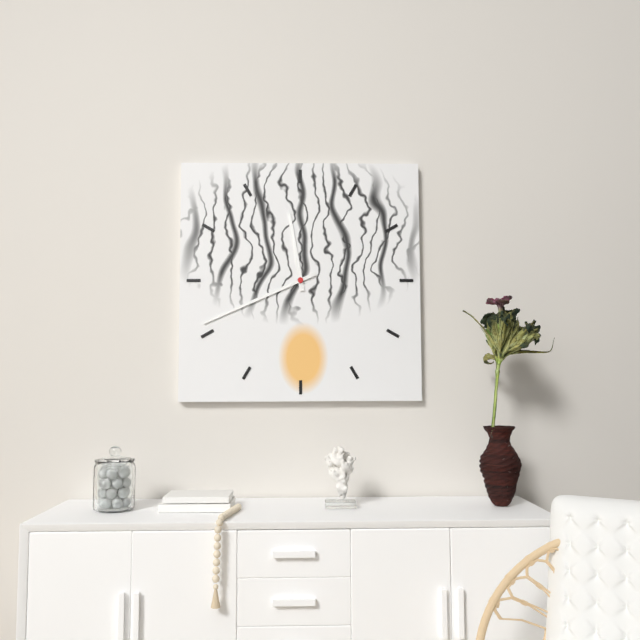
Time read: **11:41**
